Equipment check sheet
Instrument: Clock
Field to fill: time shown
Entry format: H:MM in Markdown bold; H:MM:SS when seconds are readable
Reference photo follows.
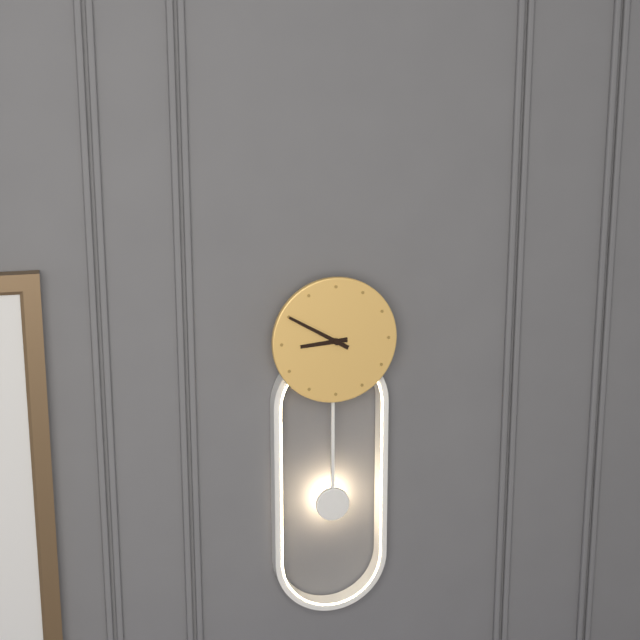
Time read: **8:50**
